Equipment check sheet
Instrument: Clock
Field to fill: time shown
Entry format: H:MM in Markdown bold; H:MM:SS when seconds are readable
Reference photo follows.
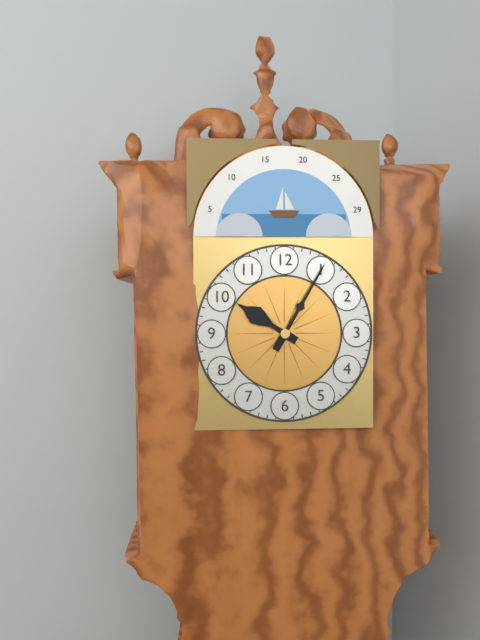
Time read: **10:05**
